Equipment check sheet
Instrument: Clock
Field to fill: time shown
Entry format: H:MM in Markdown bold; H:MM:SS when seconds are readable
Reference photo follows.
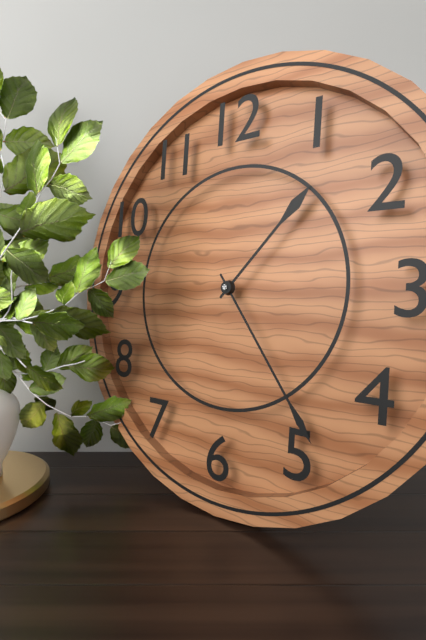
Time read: **1:24**
